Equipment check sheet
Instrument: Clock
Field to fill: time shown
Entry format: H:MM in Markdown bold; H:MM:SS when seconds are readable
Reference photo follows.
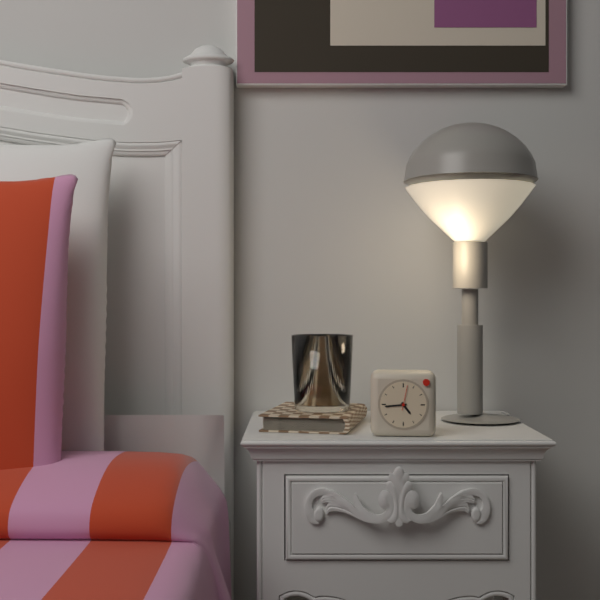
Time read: **4:44**
